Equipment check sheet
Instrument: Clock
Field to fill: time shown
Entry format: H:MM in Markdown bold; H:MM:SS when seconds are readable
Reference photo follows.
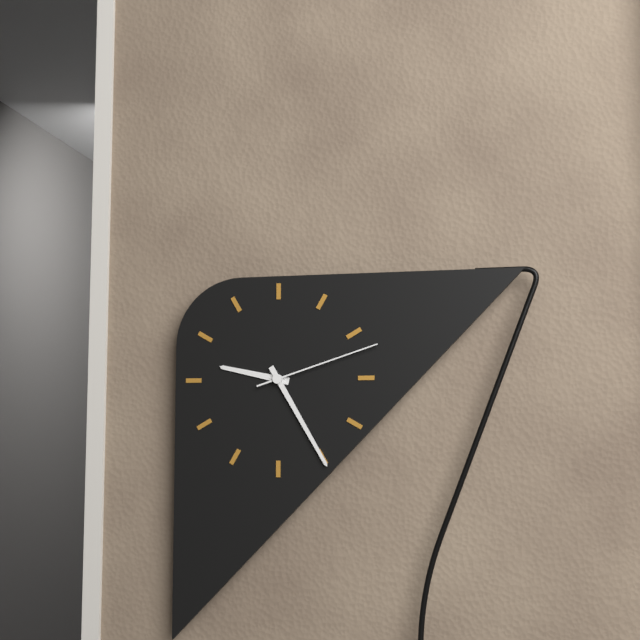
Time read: **9:25:12**
